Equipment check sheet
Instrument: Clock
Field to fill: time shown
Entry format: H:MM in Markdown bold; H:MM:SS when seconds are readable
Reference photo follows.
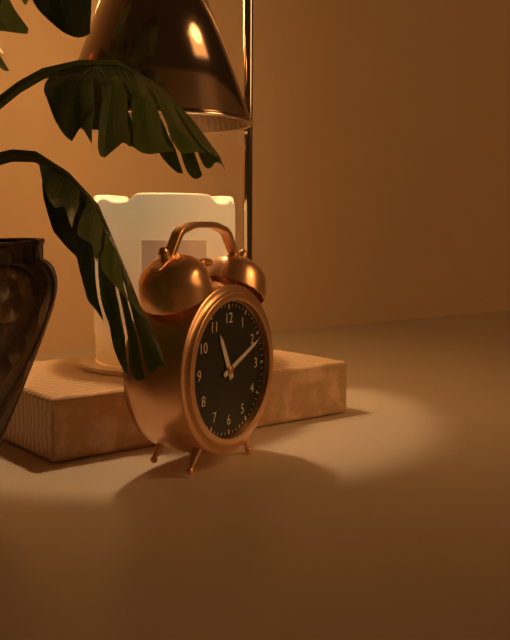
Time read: **11:11**
